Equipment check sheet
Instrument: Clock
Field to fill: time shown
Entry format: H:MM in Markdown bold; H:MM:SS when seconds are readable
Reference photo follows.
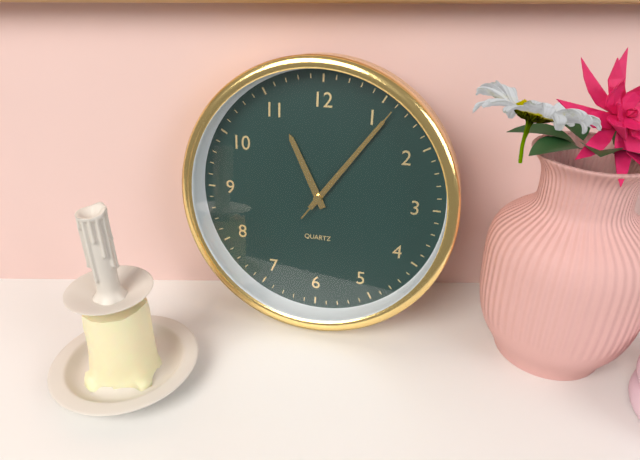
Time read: **11:06:06**
